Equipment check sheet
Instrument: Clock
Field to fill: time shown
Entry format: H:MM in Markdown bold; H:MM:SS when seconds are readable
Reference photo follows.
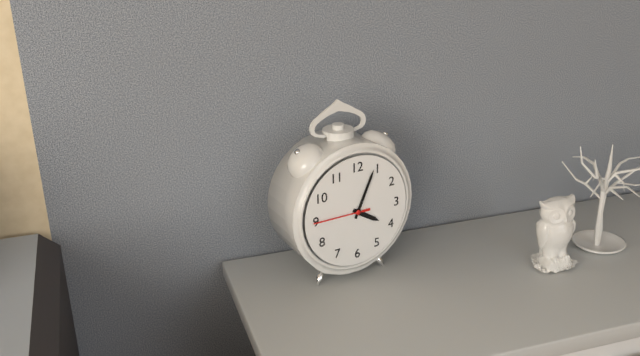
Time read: **4:04:45**
